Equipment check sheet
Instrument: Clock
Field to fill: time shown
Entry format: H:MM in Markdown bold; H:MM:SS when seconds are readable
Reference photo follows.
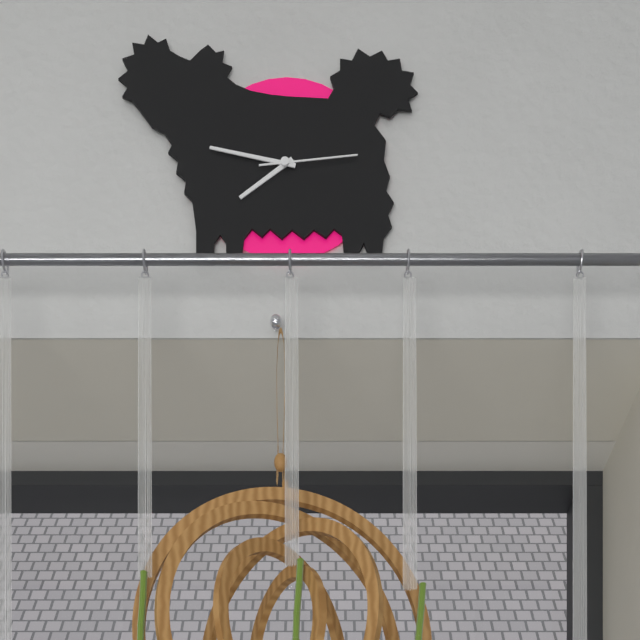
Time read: **7:47:14**
